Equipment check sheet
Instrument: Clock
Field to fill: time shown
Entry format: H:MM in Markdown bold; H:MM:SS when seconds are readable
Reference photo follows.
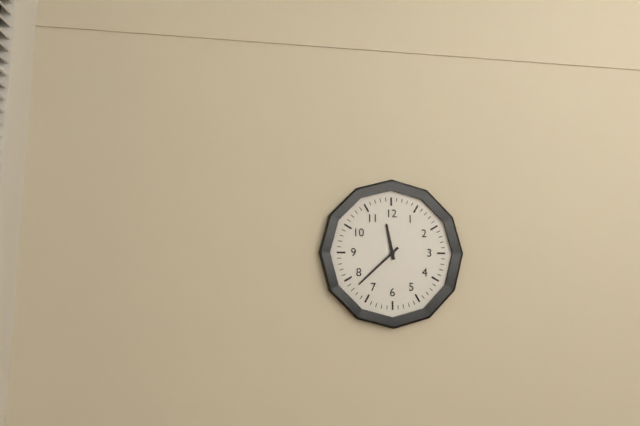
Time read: **11:38**
